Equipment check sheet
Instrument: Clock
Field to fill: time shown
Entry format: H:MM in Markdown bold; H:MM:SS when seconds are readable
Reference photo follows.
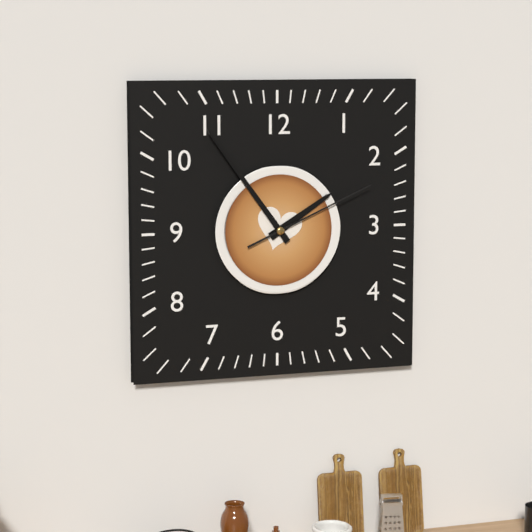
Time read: **1:54:11**
